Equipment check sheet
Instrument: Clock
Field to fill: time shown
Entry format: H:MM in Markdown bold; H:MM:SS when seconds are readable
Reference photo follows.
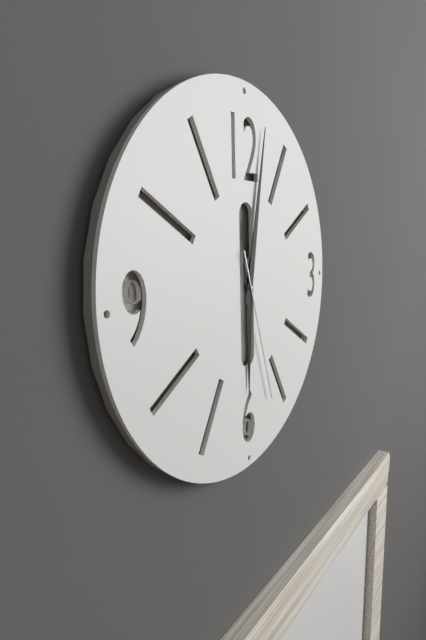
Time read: **6:02:27**
